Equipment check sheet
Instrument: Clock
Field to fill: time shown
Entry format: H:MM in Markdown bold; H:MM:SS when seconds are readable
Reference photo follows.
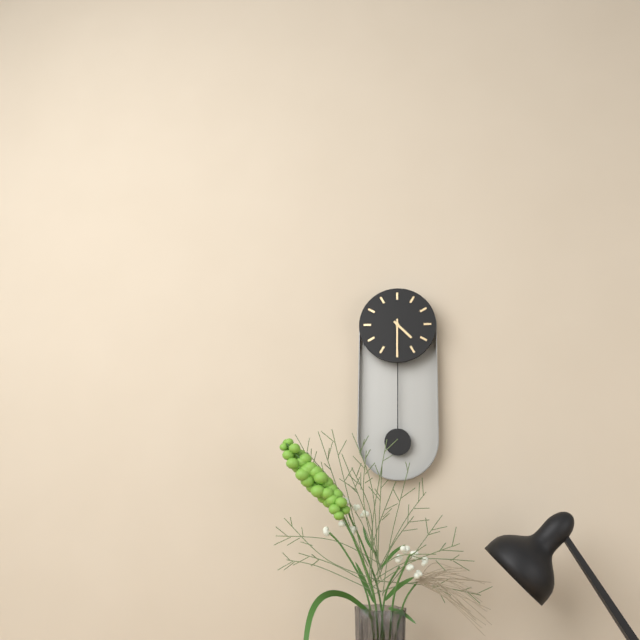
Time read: **4:30**
